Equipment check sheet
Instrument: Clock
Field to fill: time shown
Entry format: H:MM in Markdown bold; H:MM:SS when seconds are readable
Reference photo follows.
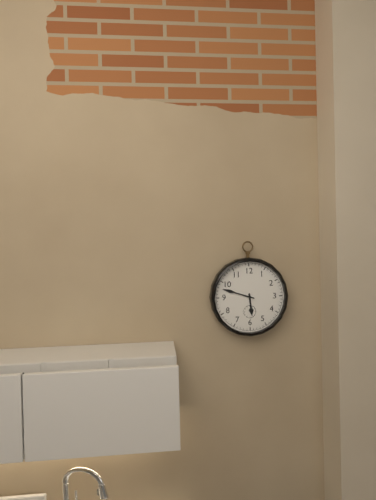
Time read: **5:48**
